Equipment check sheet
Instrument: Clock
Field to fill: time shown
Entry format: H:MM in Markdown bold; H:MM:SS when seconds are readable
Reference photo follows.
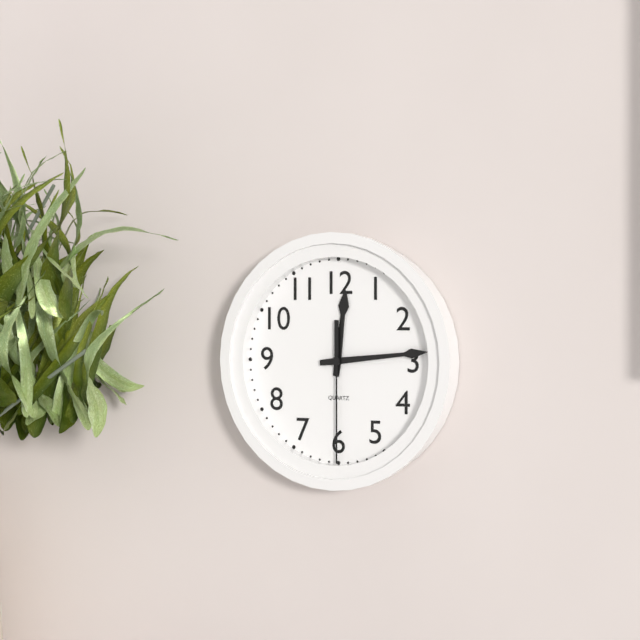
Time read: **12:14:30**
